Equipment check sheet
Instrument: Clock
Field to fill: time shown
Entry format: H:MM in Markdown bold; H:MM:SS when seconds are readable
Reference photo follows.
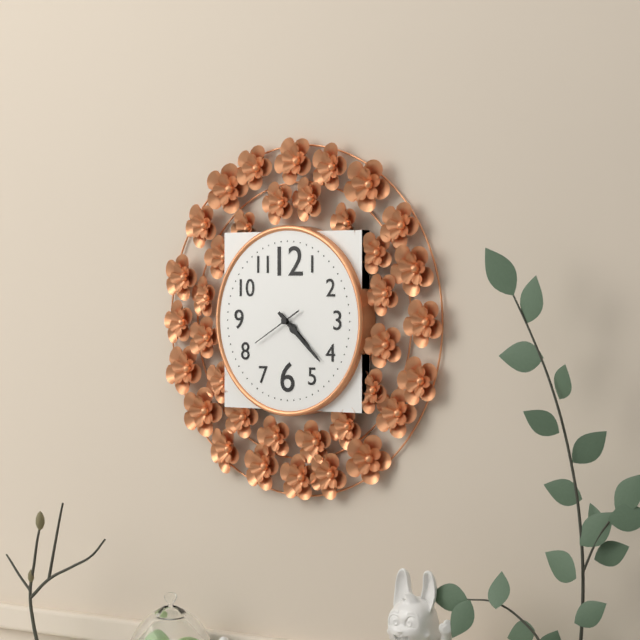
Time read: **4:22**
